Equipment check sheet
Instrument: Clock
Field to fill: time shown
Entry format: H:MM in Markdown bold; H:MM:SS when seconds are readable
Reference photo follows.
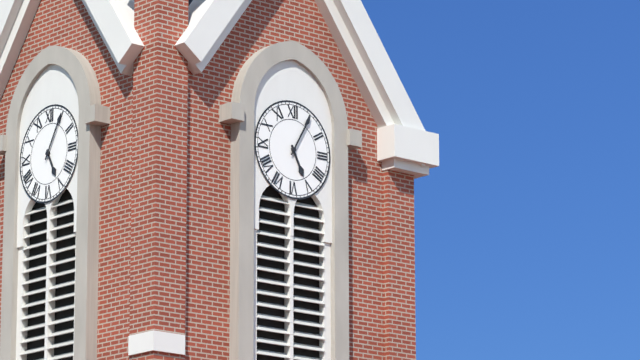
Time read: **5:05**
